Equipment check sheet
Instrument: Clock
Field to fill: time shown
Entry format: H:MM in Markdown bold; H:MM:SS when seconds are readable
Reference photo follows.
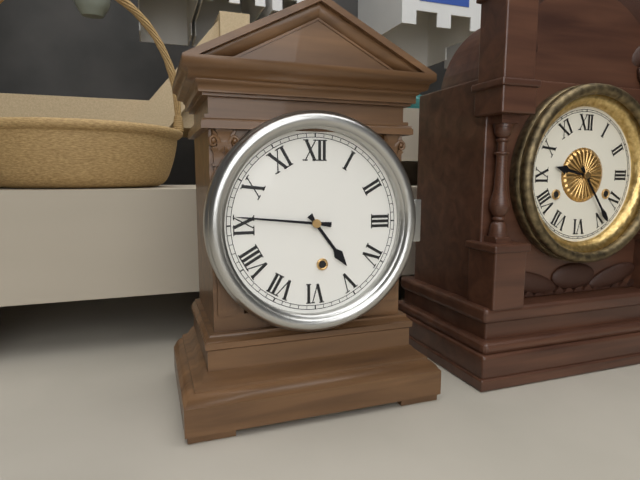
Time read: **4:46**
